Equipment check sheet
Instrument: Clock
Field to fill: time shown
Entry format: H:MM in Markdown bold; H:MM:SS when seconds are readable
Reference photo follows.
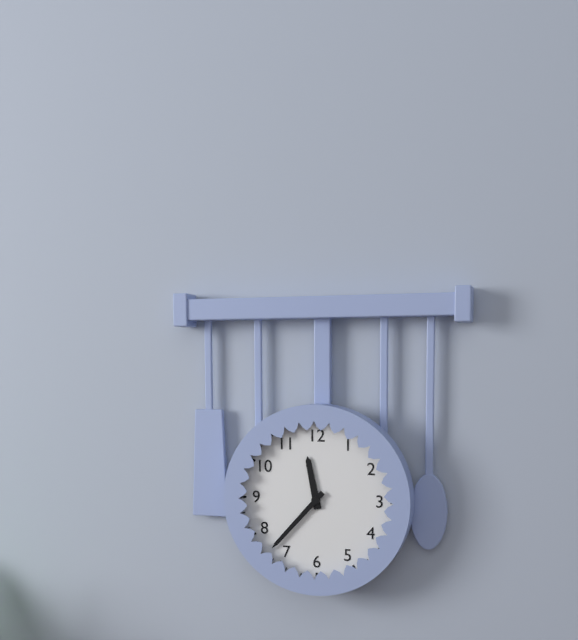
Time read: **11:37**
